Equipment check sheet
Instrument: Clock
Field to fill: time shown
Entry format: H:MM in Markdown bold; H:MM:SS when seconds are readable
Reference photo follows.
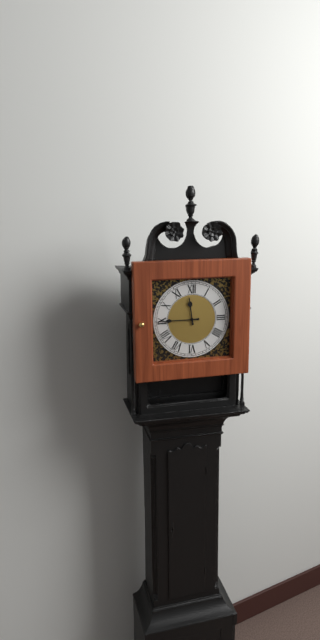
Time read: **11:45**
